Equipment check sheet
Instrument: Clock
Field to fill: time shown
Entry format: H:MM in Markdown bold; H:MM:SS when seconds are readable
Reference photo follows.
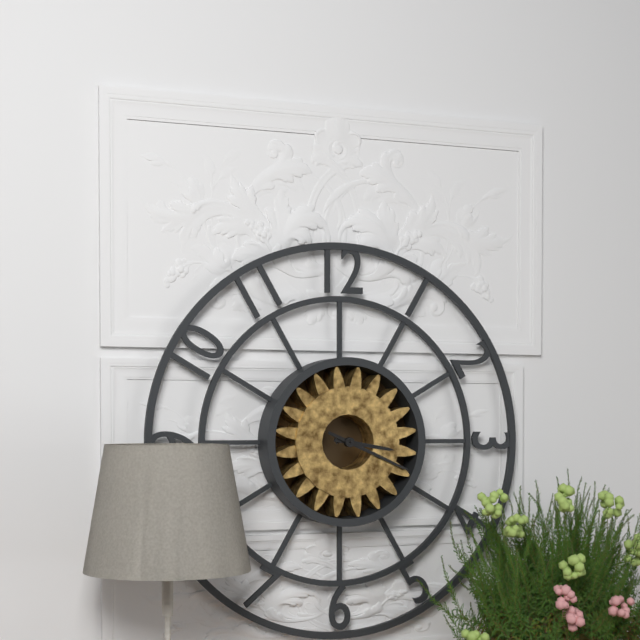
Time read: **3:19**
